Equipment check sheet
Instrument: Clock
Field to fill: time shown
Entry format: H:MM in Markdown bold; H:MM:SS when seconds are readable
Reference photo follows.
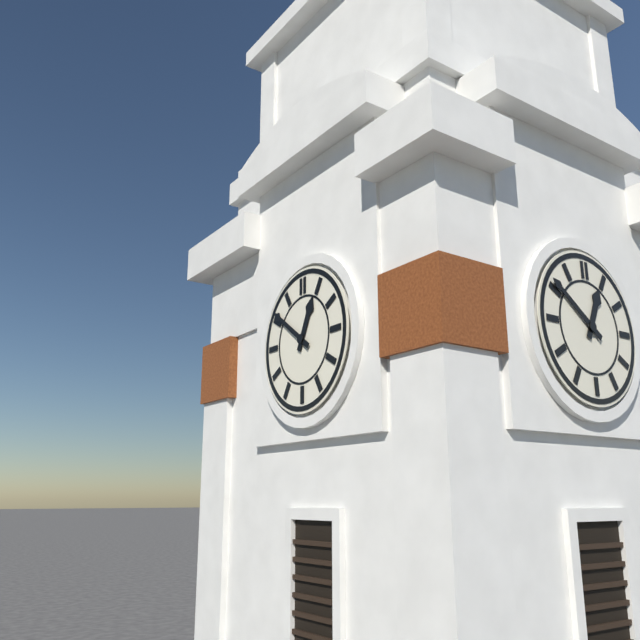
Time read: **12:51**
